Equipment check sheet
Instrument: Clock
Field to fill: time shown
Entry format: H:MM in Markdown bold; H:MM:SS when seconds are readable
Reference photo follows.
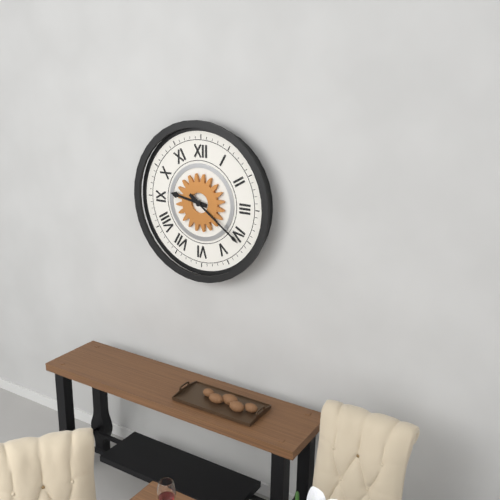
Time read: **9:21**
